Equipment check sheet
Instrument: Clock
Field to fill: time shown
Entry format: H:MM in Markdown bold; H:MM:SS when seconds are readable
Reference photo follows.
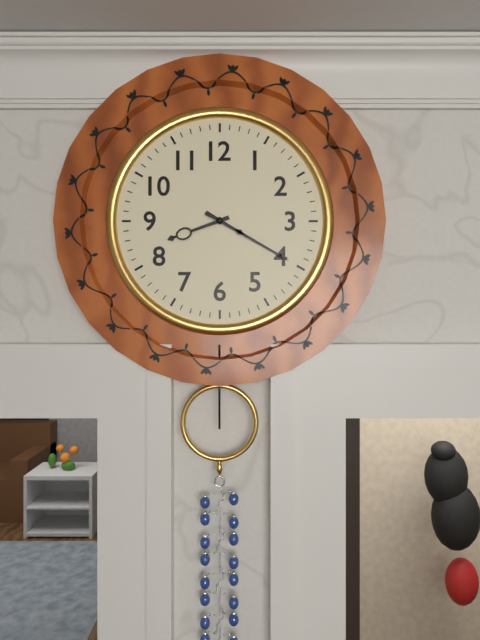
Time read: **8:20**
